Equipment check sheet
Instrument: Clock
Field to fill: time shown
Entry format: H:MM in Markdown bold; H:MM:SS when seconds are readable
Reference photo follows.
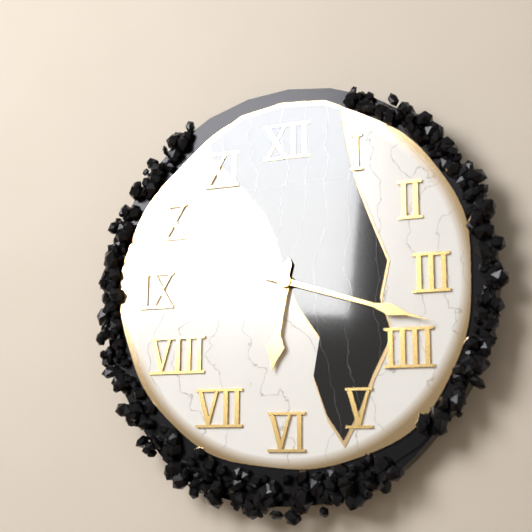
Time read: **6:18**
